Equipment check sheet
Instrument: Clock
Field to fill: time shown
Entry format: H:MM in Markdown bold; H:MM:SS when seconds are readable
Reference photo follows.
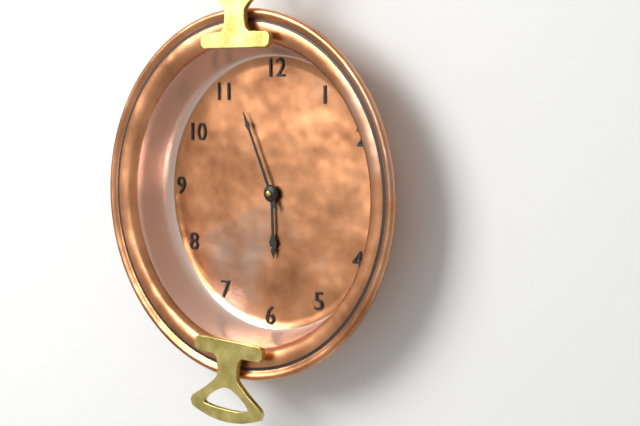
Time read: **5:56**
